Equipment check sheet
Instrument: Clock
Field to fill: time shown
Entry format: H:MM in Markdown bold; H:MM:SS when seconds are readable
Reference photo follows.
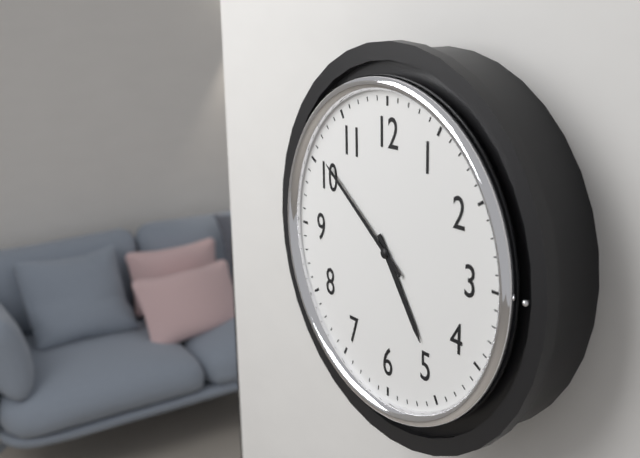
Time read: **4:51**
